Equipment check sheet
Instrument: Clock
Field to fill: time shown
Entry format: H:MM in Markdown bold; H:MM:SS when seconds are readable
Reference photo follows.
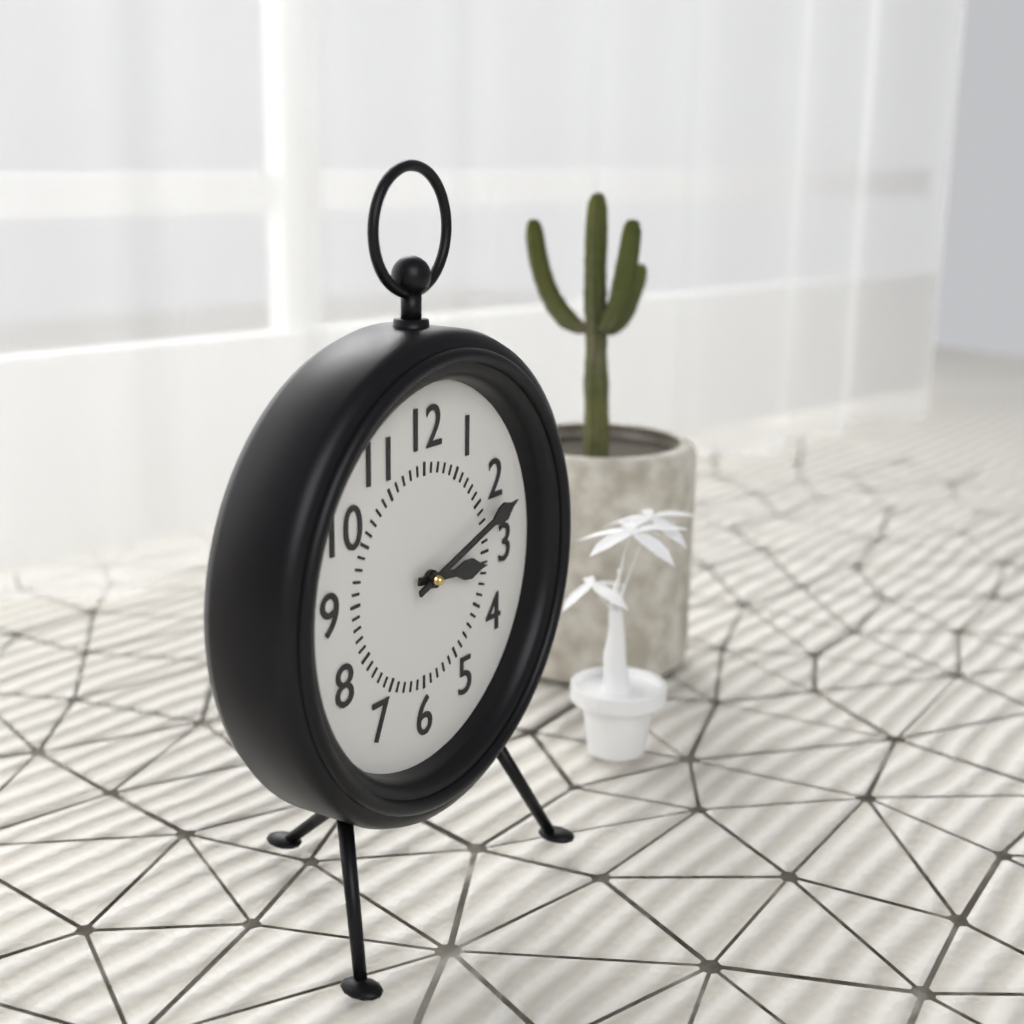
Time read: **3:12**
